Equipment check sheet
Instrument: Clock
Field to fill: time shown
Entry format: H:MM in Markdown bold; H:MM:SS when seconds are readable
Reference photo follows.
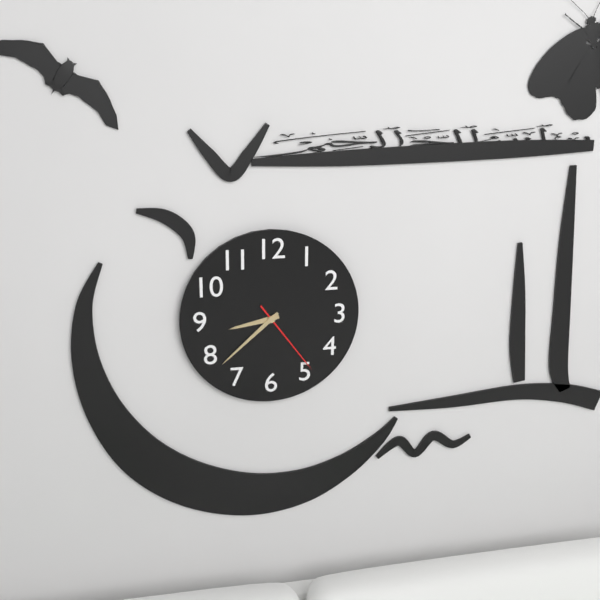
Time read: **8:38:24**
